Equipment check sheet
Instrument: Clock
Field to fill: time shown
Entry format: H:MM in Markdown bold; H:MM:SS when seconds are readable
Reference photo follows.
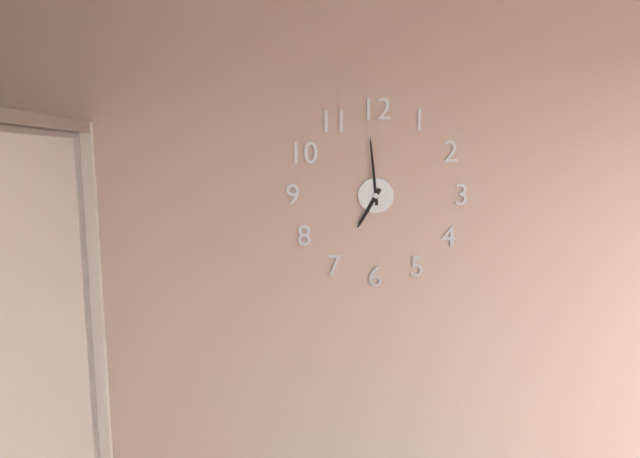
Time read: **6:59**
